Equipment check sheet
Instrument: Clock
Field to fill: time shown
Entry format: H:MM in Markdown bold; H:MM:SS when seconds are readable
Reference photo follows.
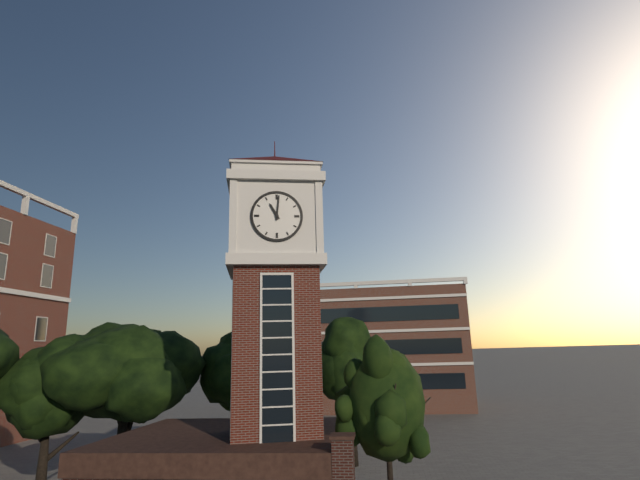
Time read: **11:01**
